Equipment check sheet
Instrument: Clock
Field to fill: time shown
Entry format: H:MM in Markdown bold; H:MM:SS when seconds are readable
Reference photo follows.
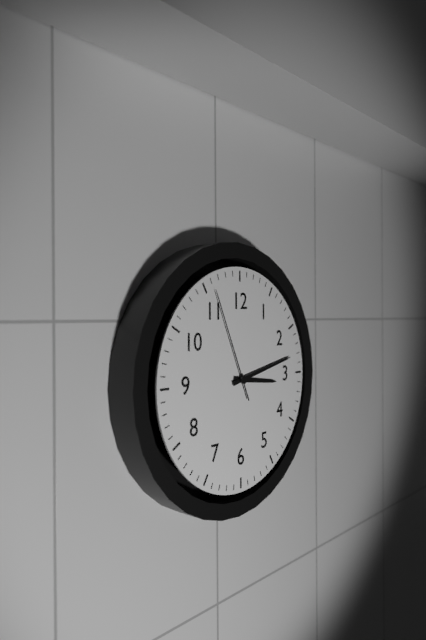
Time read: **3:13:56**
